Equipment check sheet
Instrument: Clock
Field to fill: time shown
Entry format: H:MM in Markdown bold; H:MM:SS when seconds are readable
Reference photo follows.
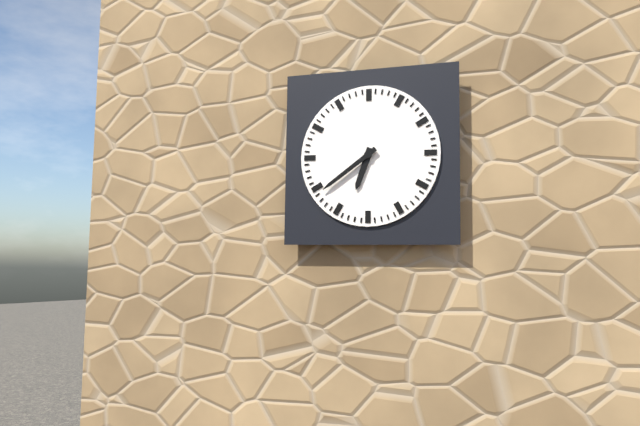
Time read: **6:39**
